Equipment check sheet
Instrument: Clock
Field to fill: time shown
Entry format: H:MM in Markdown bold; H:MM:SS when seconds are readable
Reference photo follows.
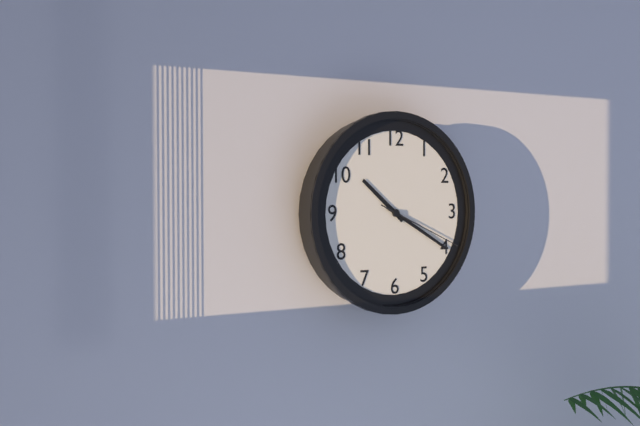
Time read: **10:20:19**
